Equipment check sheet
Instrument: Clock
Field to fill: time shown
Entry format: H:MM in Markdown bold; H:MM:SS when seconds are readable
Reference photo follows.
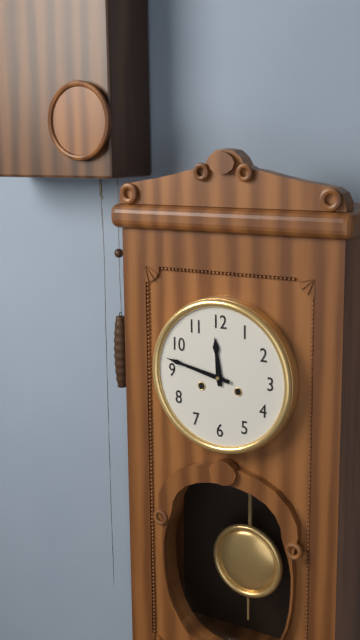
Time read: **11:47**
